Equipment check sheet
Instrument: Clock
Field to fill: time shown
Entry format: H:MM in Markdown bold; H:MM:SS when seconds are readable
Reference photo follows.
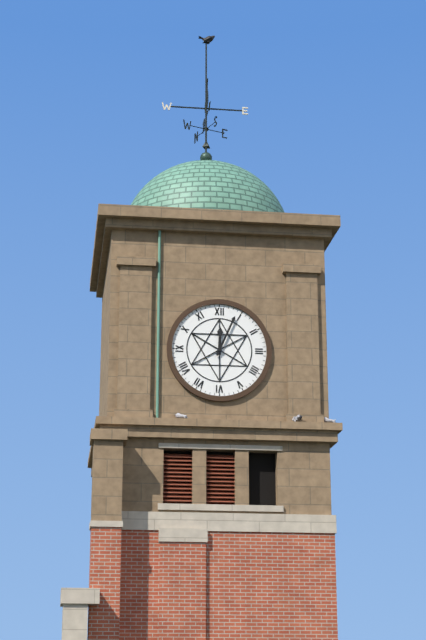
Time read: **12:04**
